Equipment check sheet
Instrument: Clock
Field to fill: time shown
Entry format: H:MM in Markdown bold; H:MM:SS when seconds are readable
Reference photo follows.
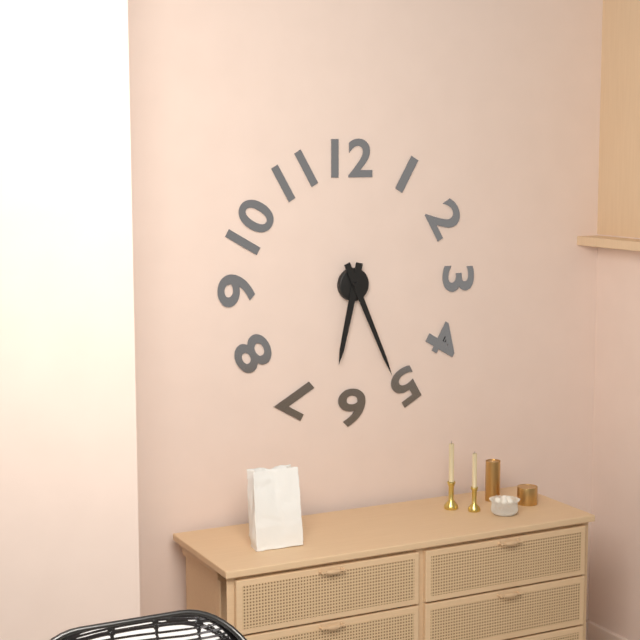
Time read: **6:26**
